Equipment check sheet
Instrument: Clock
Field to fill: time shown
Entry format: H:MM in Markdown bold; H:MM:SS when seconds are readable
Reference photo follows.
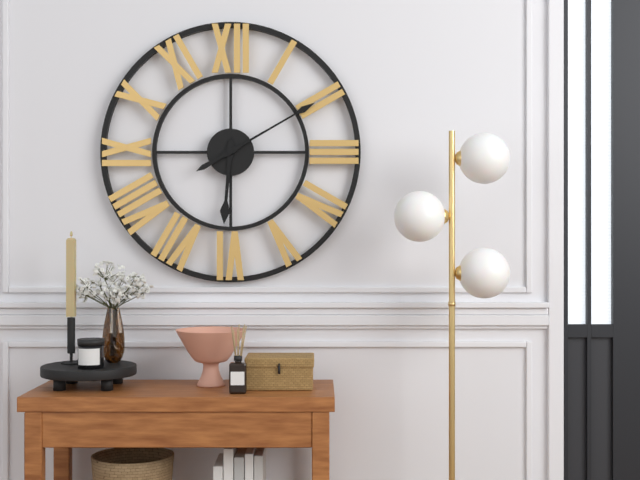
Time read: **6:10**
